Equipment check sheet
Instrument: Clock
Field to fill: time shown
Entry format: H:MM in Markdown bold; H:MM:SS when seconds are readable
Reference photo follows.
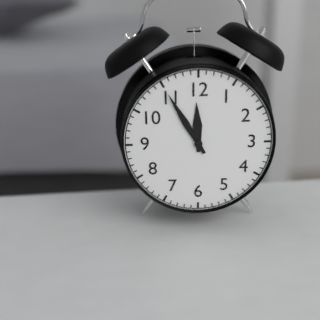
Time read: **11:55**
